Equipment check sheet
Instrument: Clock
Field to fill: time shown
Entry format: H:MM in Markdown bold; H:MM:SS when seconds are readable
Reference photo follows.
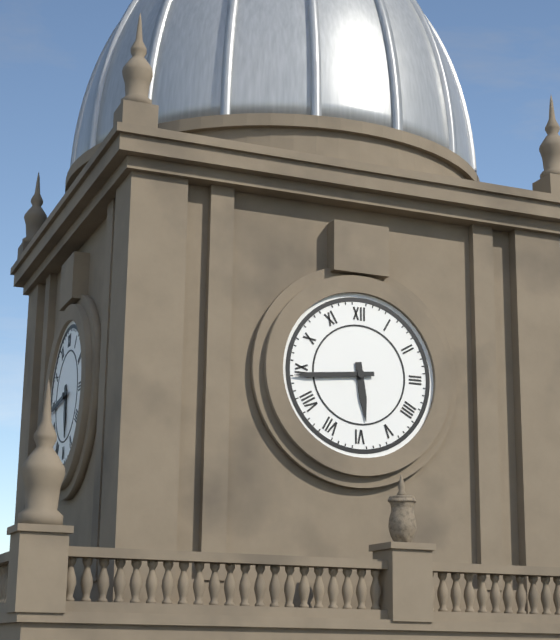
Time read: **5:44**
